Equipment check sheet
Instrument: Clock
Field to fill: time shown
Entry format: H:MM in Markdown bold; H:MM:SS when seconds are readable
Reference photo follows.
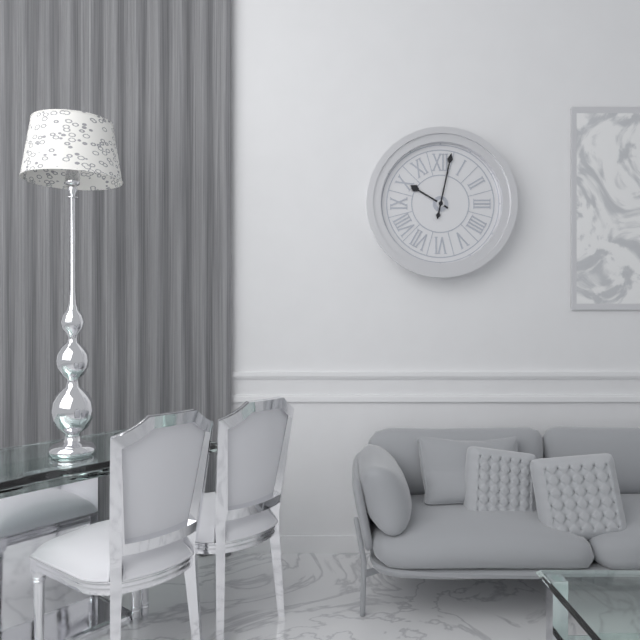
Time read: **10:02**
